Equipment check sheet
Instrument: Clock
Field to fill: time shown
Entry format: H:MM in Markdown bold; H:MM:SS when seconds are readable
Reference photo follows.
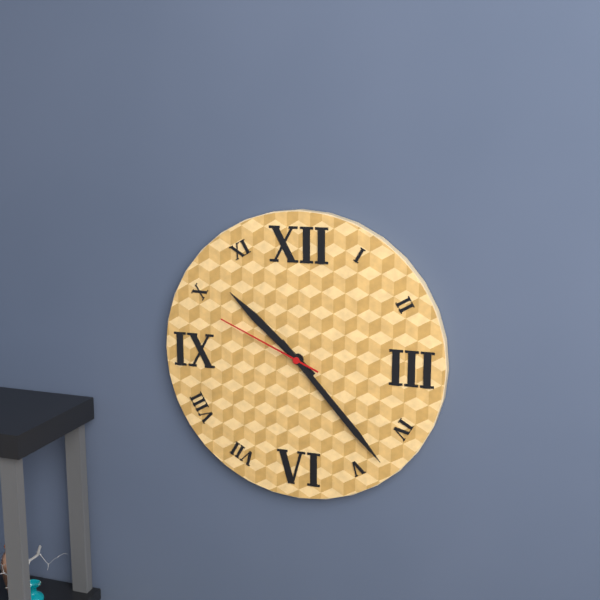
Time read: **10:23:49**
